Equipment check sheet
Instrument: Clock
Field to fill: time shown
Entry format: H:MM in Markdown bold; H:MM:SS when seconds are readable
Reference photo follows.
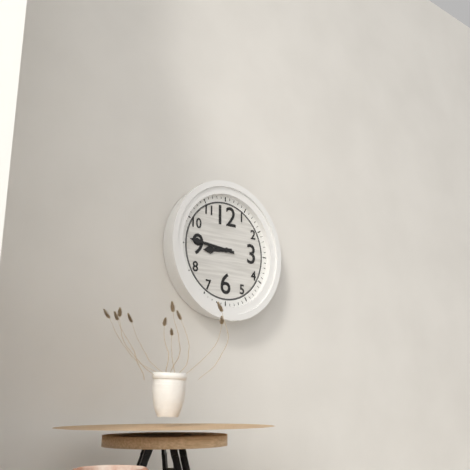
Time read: **8:46**
